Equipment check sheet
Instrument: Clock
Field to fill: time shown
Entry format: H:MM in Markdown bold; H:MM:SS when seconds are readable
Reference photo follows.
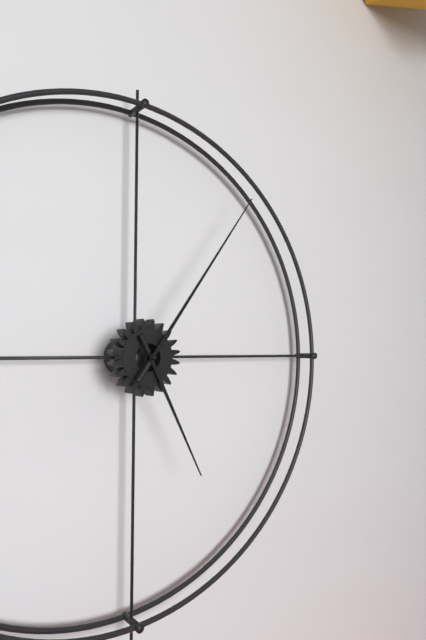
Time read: **5:06**
